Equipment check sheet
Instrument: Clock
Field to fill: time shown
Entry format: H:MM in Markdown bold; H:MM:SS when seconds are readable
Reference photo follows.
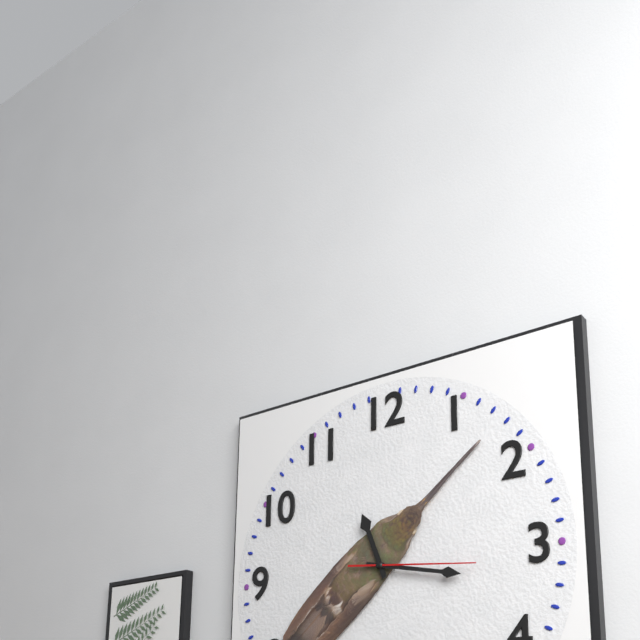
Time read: **11:17:16**
